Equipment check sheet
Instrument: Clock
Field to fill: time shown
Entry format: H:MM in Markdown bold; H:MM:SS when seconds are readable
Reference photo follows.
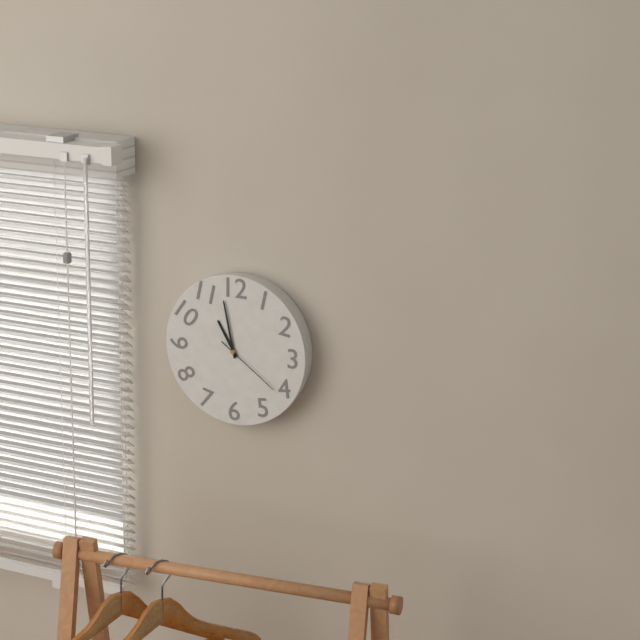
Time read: **10:58:21**
